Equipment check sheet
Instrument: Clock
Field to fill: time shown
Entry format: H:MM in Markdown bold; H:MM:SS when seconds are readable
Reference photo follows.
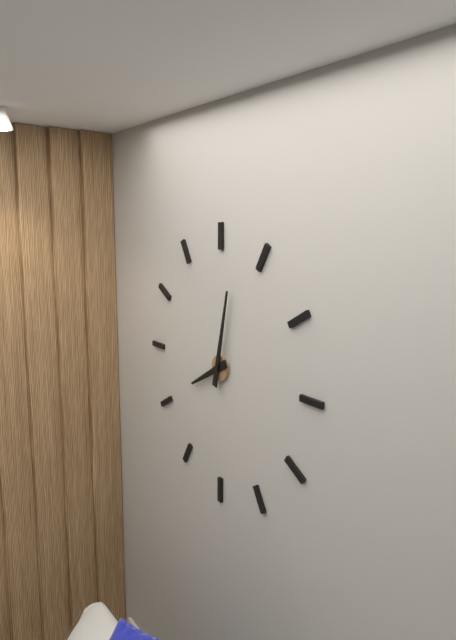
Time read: **8:02**
